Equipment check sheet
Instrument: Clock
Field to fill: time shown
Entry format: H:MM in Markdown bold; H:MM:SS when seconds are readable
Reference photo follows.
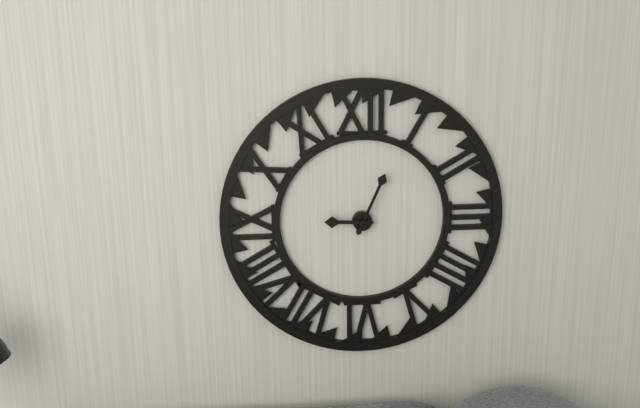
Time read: **9:04**
